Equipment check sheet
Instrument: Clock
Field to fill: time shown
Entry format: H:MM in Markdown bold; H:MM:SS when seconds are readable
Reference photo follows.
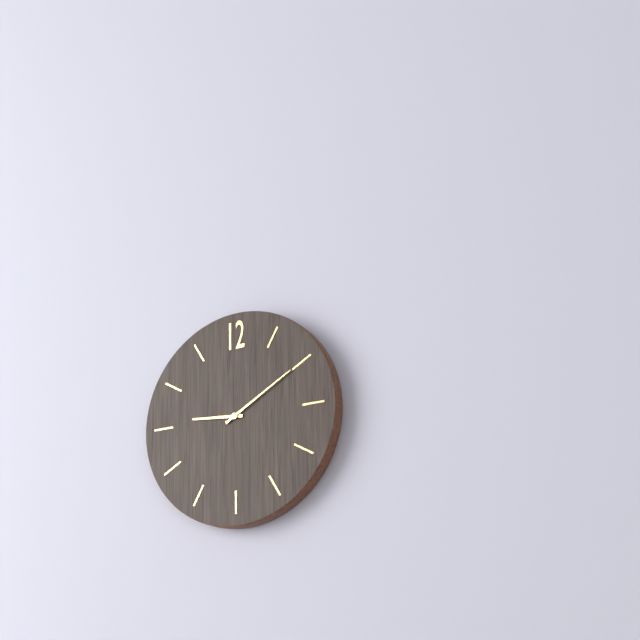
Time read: **9:10**
